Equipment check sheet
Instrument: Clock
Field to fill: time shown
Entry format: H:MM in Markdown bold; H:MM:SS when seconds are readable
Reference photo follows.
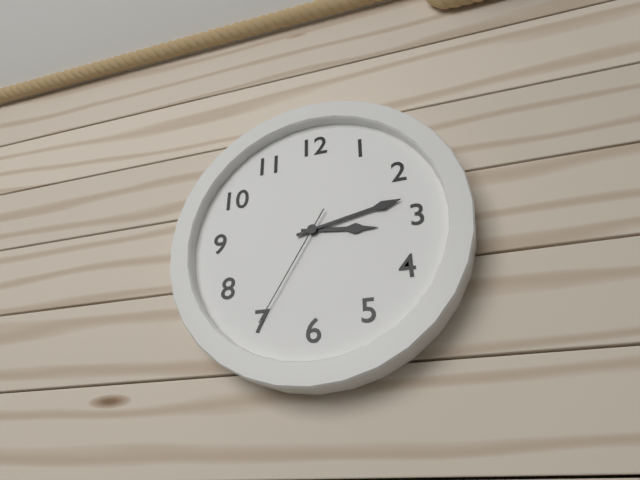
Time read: **3:13:35**
